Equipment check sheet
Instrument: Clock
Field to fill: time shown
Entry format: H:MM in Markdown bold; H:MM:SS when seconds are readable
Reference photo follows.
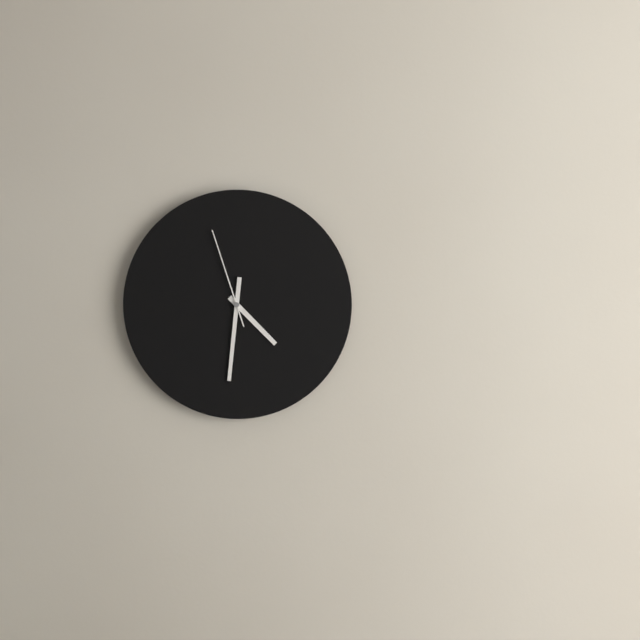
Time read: **4:31:57**
